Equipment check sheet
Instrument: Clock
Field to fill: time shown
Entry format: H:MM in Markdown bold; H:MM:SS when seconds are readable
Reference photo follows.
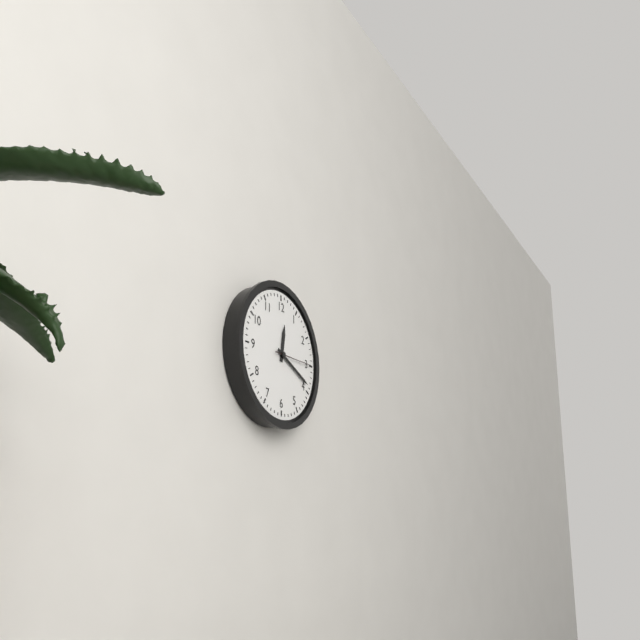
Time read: **12:19**
